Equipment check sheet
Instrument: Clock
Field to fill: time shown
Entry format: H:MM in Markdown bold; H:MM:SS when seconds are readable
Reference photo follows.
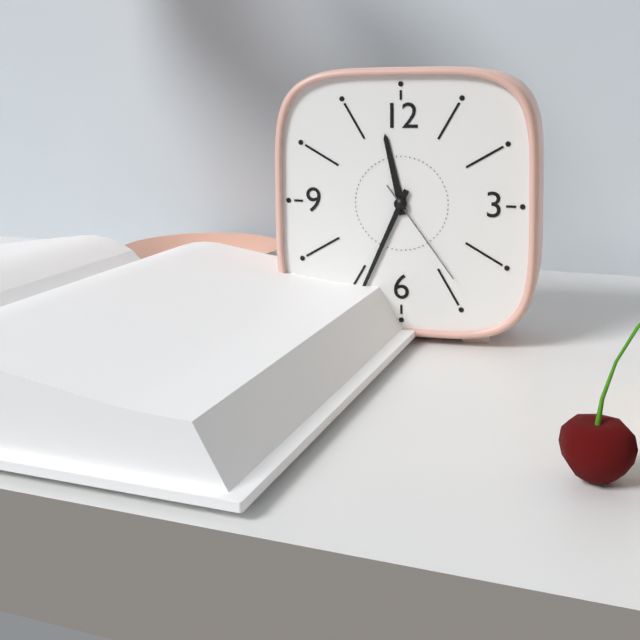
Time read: **11:34:24**
